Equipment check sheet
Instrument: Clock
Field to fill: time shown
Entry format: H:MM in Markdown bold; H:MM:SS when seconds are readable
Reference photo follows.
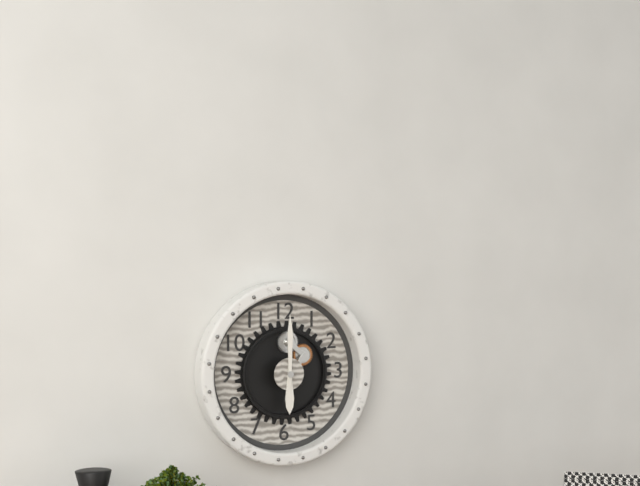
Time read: **6:00**
